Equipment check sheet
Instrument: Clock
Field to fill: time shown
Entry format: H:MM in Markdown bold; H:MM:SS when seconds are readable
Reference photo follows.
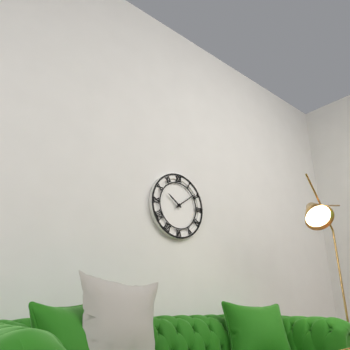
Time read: **10:09**
